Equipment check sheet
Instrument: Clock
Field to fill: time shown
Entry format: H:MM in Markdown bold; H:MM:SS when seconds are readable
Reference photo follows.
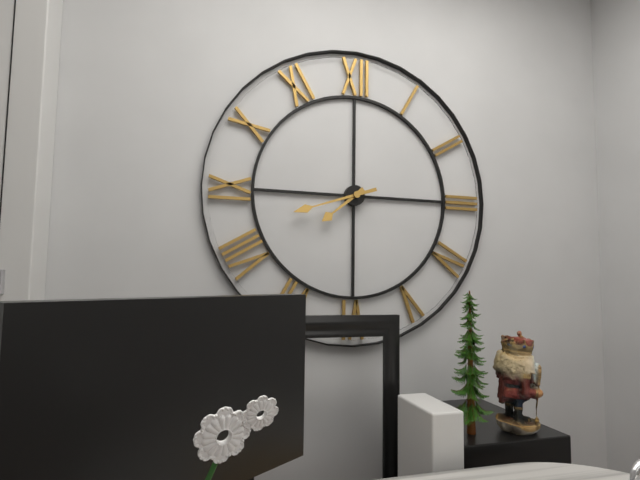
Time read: **7:42**
